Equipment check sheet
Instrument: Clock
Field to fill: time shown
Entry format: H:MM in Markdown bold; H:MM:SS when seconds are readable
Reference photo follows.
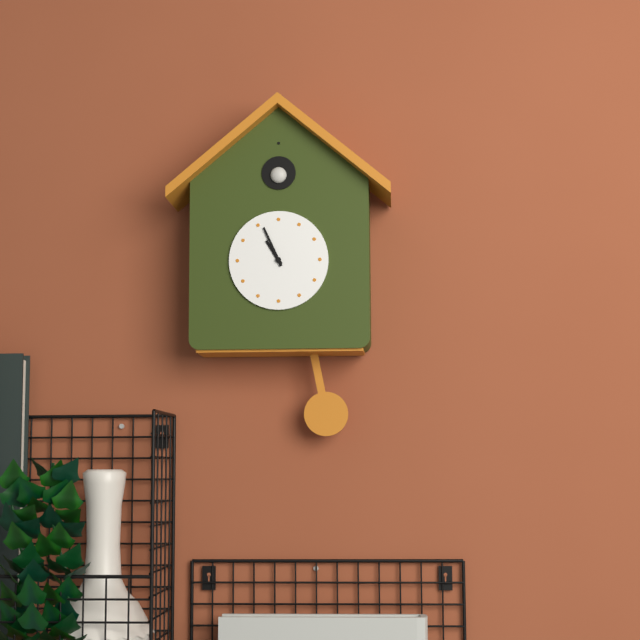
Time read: **10:56**
